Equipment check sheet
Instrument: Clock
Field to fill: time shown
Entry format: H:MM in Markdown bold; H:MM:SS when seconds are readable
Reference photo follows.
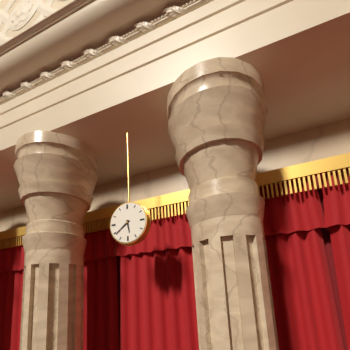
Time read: **5:39**
